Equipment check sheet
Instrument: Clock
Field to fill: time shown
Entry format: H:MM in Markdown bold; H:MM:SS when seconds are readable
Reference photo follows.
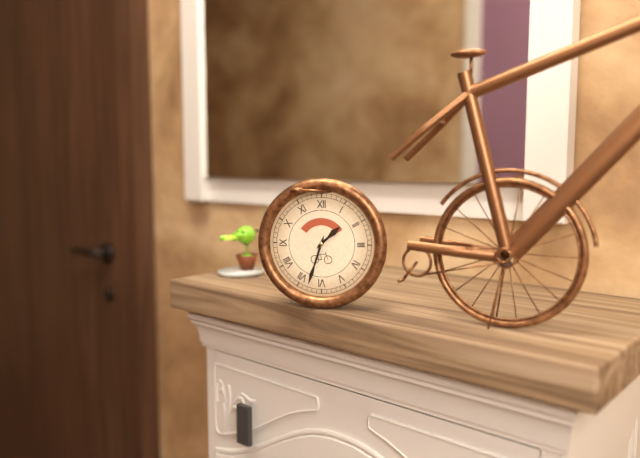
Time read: **1:33**
